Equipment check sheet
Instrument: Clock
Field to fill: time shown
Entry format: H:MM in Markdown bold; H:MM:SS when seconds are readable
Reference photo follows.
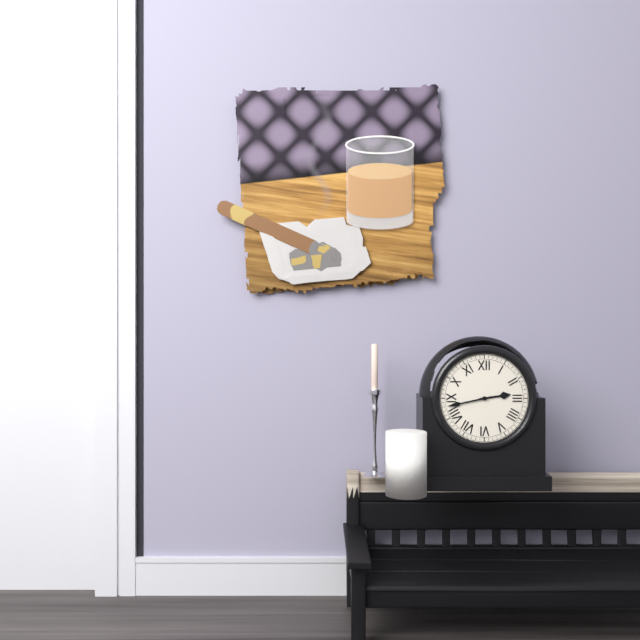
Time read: **2:43**
